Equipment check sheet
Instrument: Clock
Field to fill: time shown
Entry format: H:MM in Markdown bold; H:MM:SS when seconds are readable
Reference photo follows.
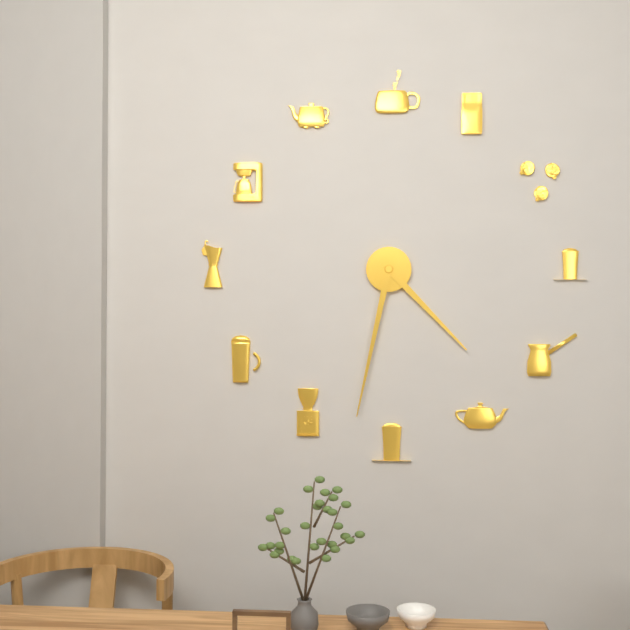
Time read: **4:32**
